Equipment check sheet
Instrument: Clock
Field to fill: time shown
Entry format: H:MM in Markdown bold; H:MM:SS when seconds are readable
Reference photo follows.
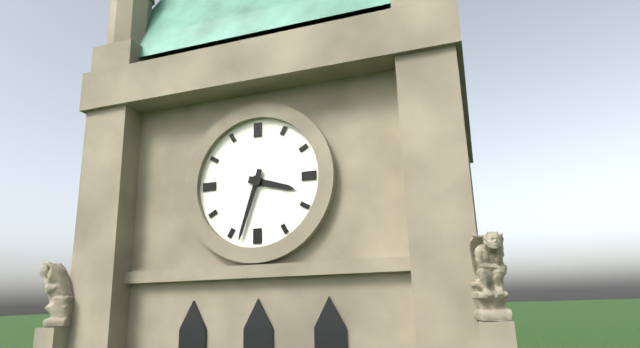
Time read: **3:33**
